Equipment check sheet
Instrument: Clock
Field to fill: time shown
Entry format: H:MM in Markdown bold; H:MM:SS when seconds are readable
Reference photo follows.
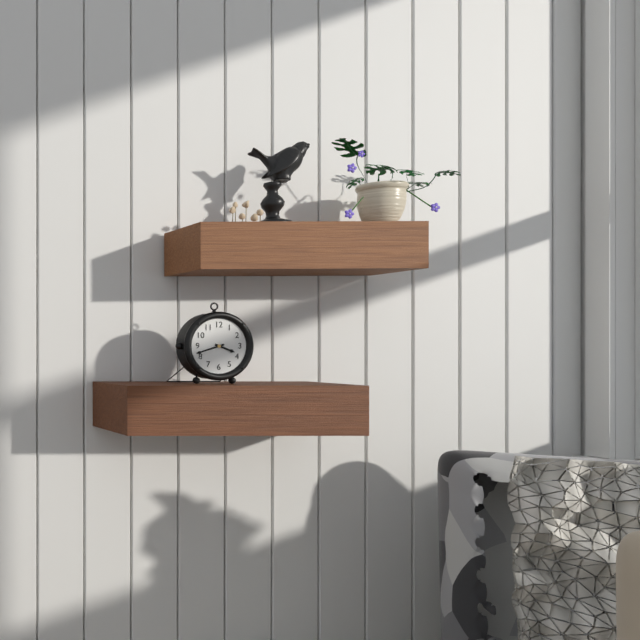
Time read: **3:42**
